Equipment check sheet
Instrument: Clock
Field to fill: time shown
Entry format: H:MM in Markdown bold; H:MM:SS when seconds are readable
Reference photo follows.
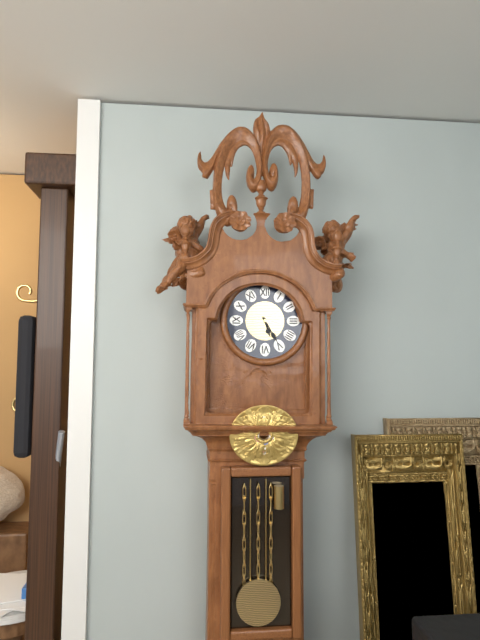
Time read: **5:25**
